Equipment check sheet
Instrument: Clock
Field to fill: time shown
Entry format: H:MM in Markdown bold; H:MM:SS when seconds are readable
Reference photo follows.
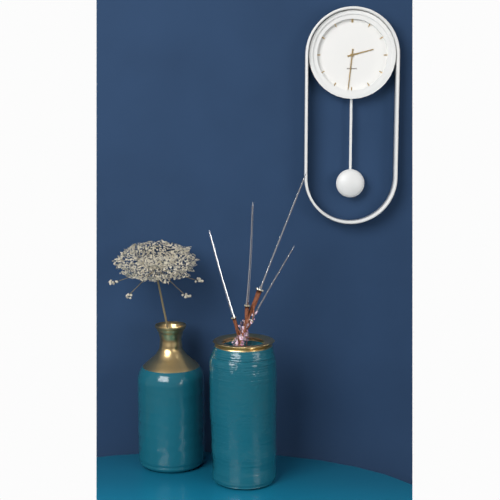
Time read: **2:31**
